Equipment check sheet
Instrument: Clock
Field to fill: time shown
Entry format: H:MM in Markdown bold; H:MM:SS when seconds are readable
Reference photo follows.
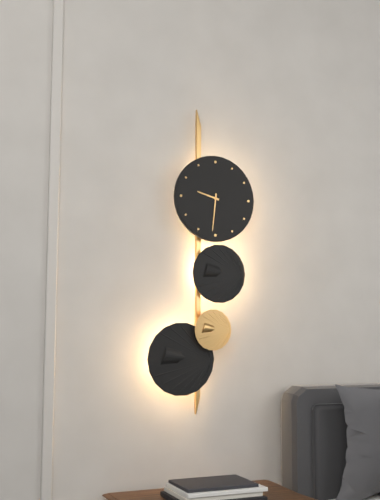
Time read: **9:31**
